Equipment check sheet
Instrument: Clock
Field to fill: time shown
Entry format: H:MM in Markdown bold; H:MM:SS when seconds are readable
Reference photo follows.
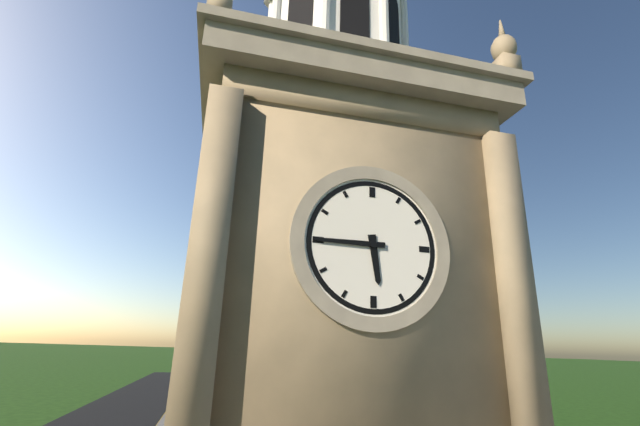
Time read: **5:45**
